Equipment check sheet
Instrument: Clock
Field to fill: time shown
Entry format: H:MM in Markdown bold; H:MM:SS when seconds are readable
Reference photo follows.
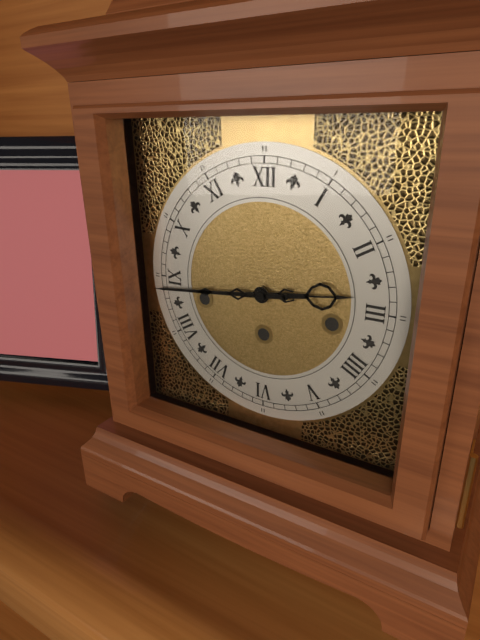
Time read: **2:44**
